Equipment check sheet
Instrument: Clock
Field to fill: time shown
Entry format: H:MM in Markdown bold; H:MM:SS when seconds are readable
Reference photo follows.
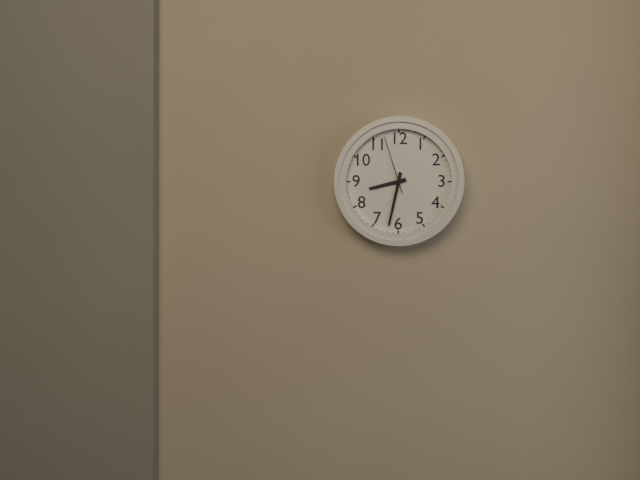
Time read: **8:32:57**
